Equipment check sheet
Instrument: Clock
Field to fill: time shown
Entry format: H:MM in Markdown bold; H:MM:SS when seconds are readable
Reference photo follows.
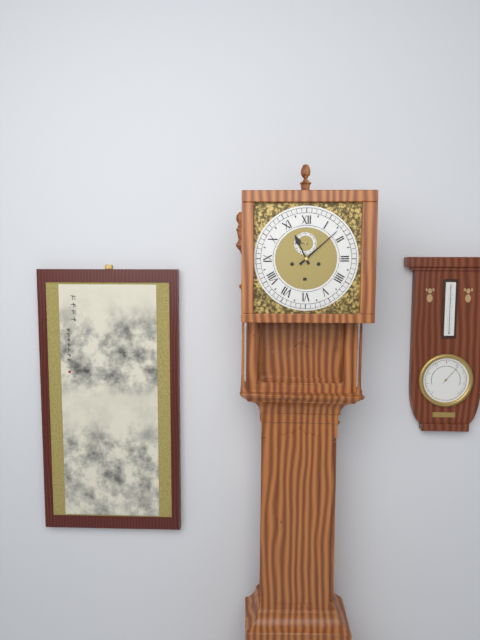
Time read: **11:08**
